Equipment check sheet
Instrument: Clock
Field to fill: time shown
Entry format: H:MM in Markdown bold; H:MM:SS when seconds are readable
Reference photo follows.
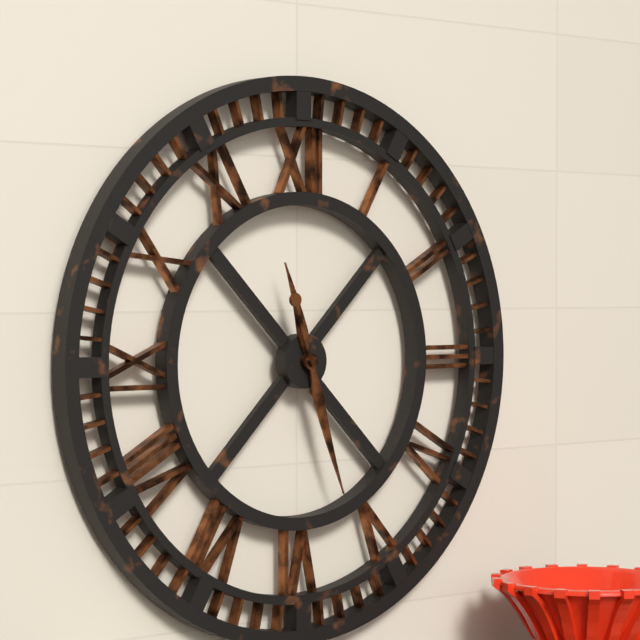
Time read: **11:27**
